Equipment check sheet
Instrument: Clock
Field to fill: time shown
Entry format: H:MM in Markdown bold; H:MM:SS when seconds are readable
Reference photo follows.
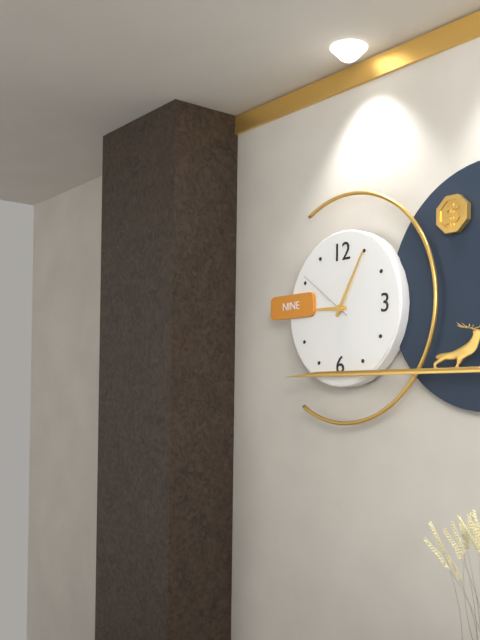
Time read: **9:05:51**
